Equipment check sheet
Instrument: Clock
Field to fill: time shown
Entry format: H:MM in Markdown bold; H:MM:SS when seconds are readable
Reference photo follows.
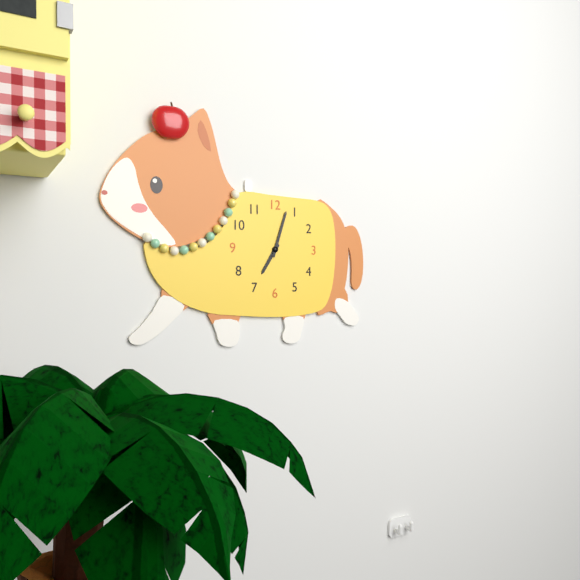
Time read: **7:03**
